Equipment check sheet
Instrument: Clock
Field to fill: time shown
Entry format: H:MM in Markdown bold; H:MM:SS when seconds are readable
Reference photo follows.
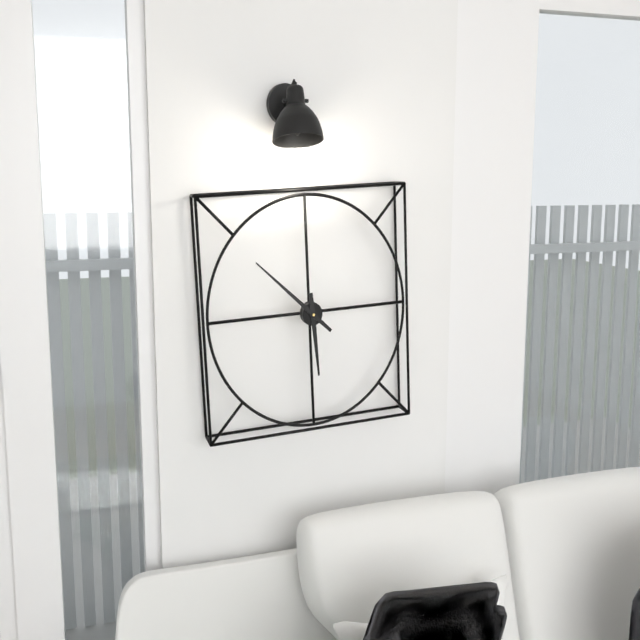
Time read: **5:52**
